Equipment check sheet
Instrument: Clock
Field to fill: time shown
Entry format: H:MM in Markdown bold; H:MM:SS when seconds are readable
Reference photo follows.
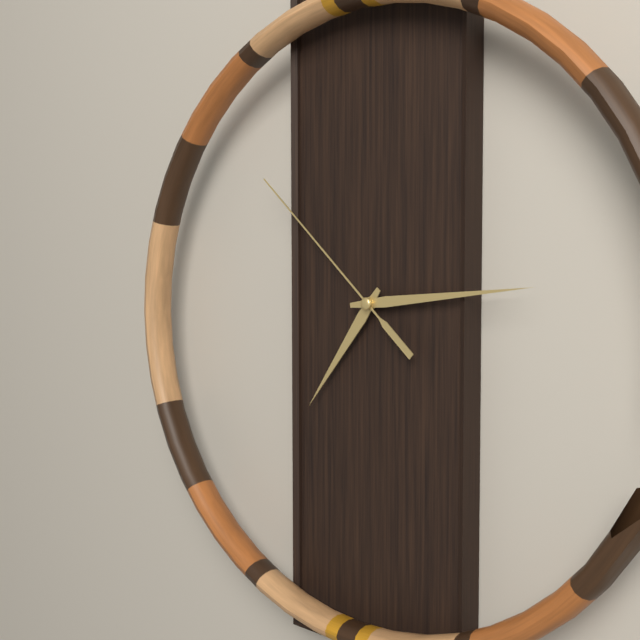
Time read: **7:14:52**
